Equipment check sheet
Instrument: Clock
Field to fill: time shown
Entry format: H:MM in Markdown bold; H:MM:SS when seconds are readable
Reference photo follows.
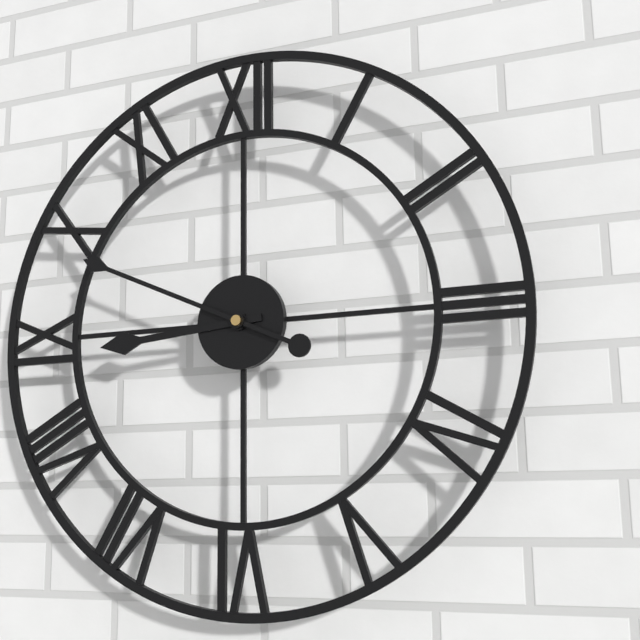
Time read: **8:49**
